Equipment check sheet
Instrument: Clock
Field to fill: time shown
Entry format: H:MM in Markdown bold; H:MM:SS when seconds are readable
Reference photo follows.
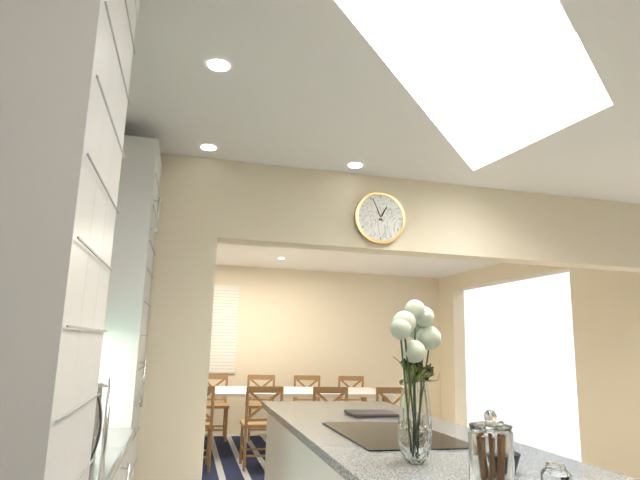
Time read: **12:56**
